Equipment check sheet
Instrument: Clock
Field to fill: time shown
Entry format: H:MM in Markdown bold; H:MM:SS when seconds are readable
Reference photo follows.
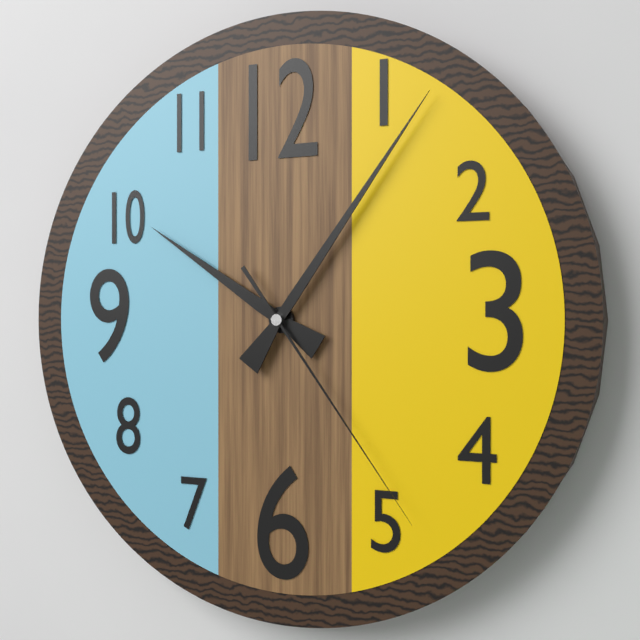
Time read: **10:06:24**
